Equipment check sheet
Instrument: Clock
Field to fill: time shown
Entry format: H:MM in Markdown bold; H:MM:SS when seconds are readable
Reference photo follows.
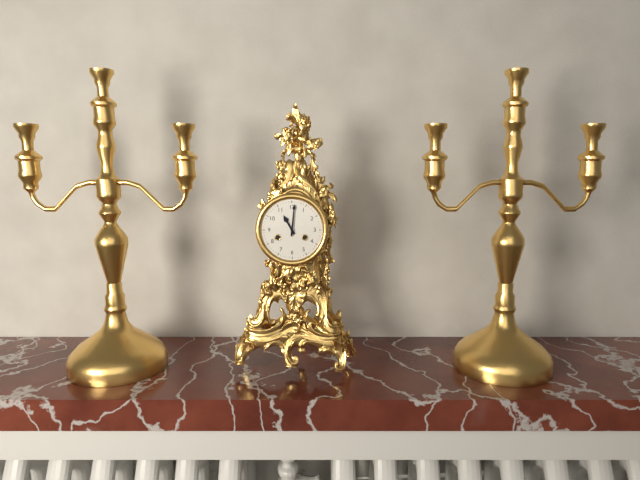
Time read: **11:01**
